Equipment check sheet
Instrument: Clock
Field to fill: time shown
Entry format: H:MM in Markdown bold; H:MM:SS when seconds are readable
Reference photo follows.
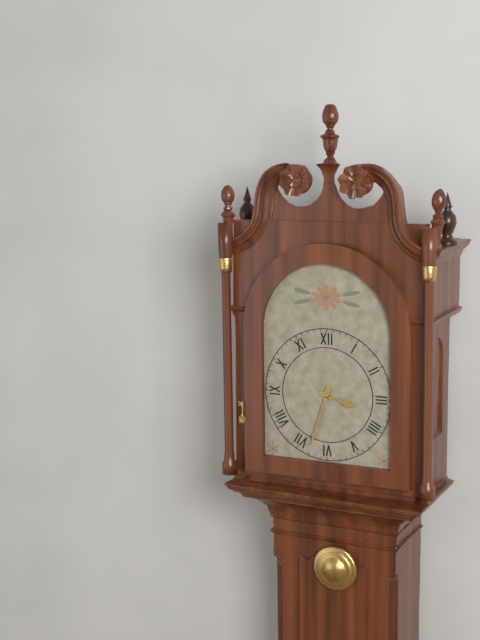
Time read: **3:33**
